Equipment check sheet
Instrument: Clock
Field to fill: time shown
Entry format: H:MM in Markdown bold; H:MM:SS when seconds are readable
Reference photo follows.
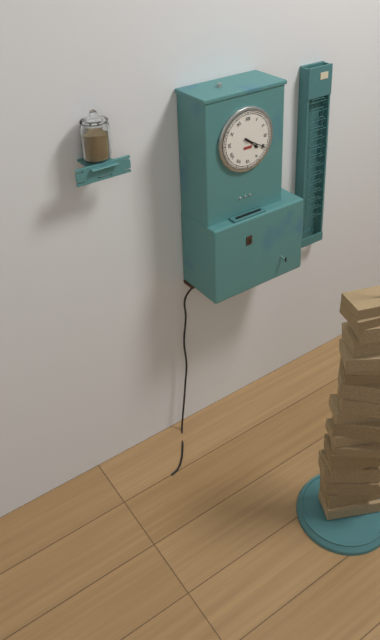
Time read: **4:20**
